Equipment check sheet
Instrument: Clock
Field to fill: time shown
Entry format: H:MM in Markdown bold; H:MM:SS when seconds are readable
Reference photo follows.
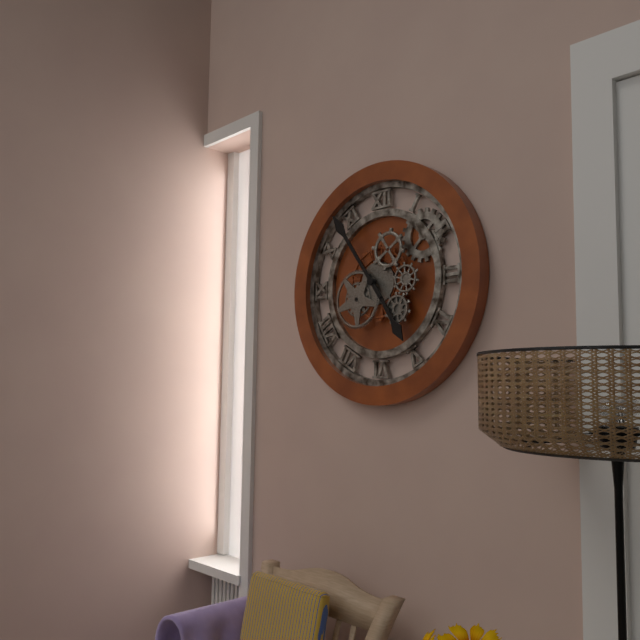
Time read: **4:54**
